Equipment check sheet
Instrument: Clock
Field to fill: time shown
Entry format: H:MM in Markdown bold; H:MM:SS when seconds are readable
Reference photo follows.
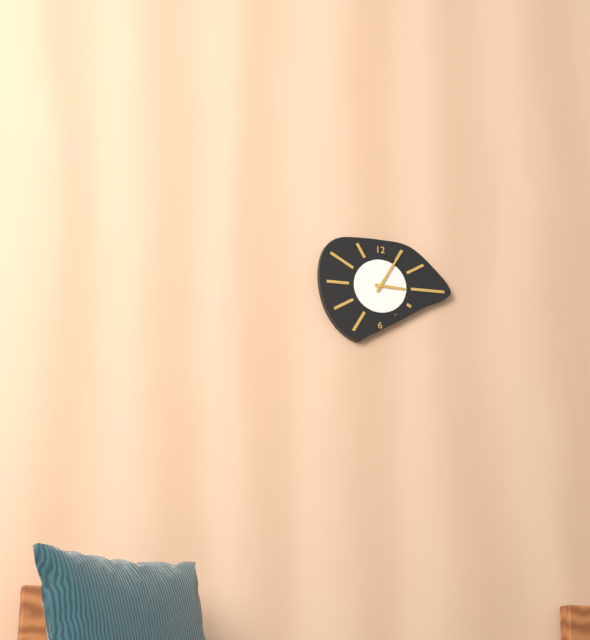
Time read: **3:05**
